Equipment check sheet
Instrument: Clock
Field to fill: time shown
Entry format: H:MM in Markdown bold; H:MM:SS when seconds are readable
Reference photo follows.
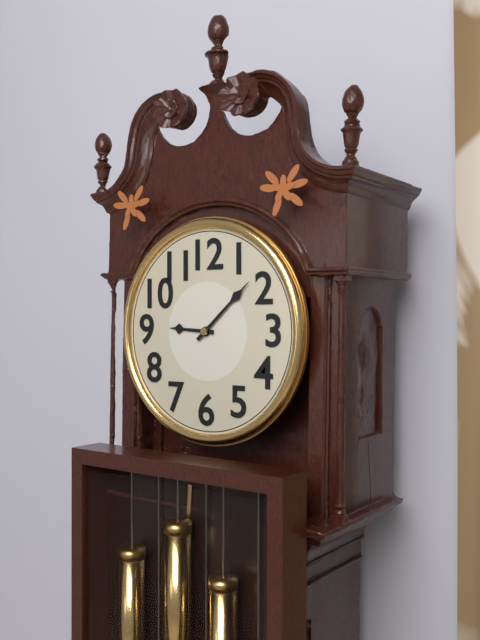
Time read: **9:08**
